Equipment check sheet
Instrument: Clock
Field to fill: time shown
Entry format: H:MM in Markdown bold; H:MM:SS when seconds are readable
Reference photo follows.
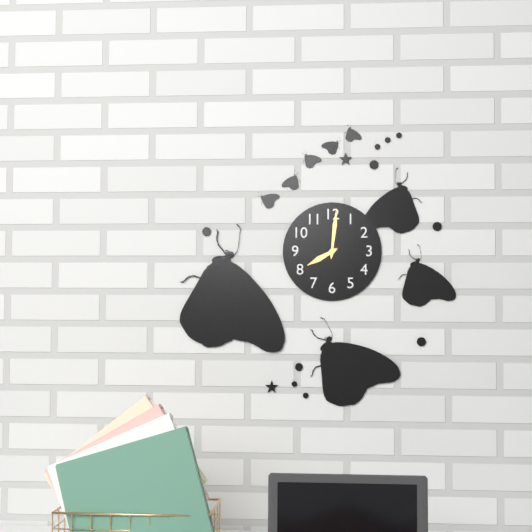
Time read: **8:01**
